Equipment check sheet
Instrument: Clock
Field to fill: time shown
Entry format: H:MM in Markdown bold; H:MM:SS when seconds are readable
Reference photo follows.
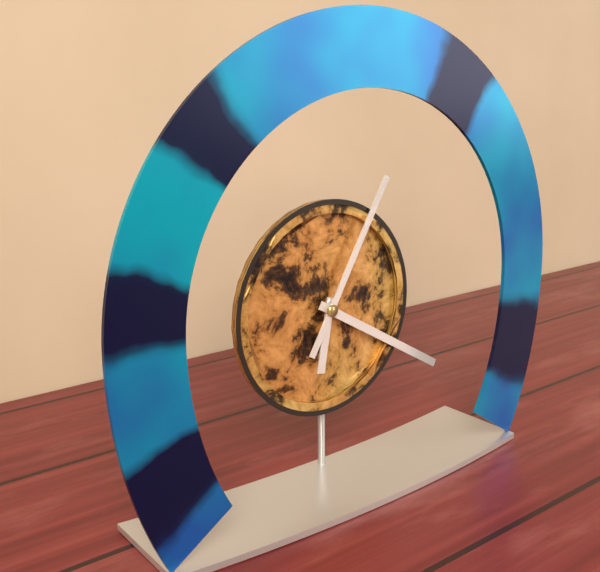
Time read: **6:20:05**
